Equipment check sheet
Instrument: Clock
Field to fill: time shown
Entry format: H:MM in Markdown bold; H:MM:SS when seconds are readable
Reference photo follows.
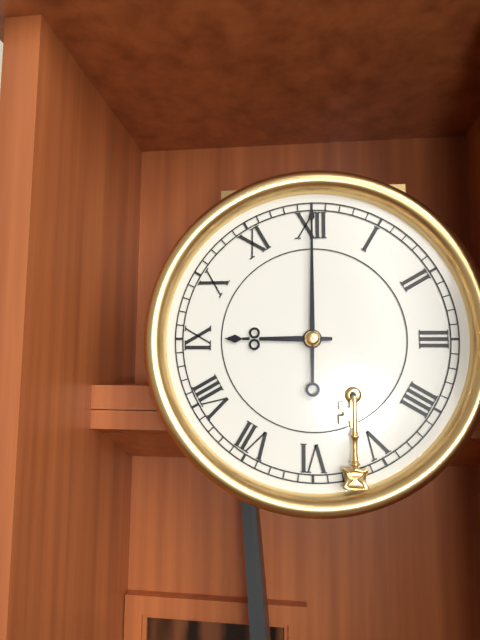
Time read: **9:00**
